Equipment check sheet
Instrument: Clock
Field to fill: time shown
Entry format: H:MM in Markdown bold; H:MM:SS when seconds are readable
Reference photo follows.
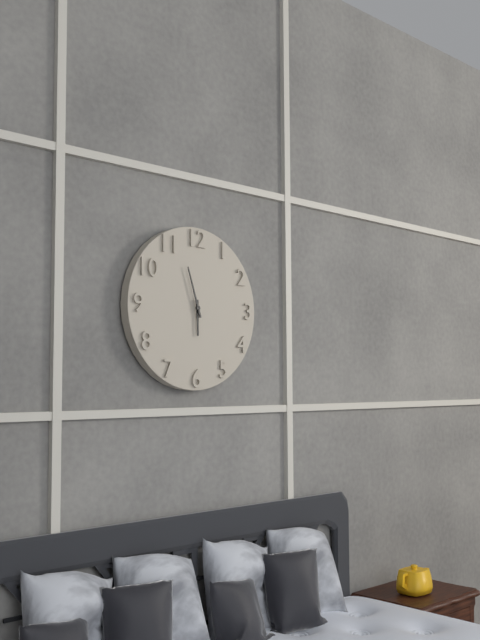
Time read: **5:57**
